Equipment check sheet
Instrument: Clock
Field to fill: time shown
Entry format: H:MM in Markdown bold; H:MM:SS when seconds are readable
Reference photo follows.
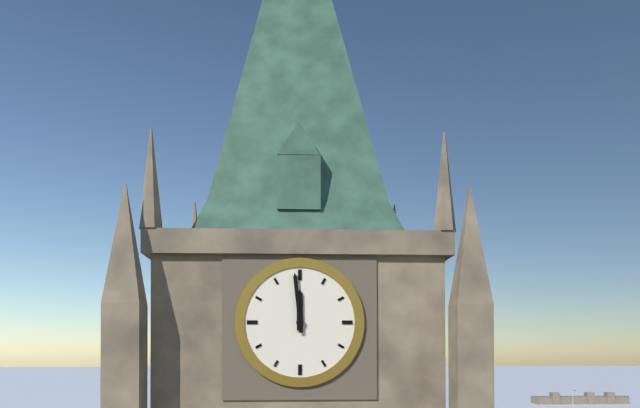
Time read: **11:59**
